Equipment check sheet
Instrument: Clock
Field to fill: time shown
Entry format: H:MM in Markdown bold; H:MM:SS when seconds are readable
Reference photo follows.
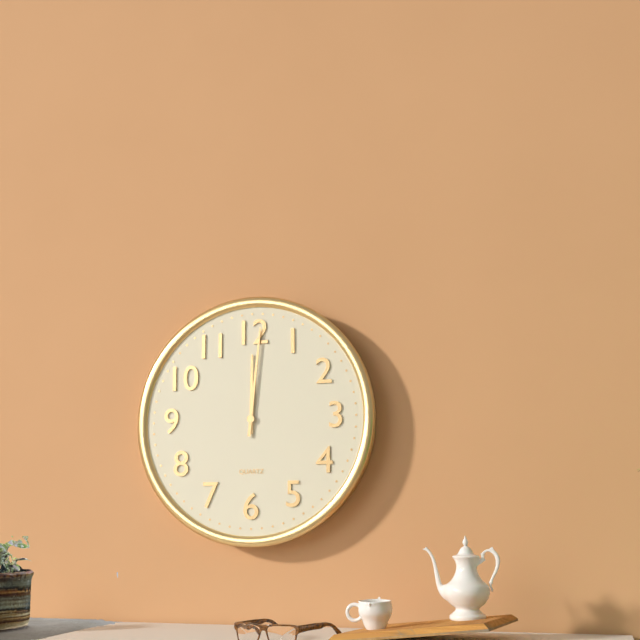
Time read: **12:01**
